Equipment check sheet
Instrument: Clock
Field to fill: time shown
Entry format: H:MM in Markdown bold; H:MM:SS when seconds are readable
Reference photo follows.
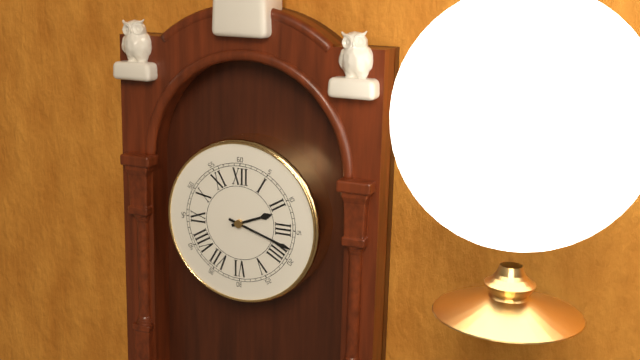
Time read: **2:18**
